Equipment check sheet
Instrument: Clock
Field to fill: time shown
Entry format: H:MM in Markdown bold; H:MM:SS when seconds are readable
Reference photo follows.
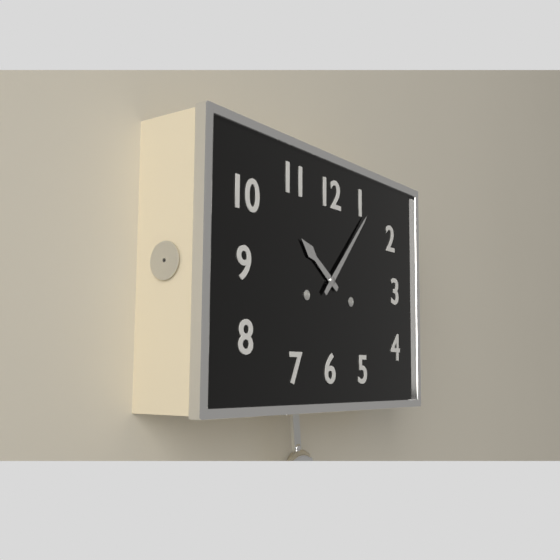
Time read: **10:07**
